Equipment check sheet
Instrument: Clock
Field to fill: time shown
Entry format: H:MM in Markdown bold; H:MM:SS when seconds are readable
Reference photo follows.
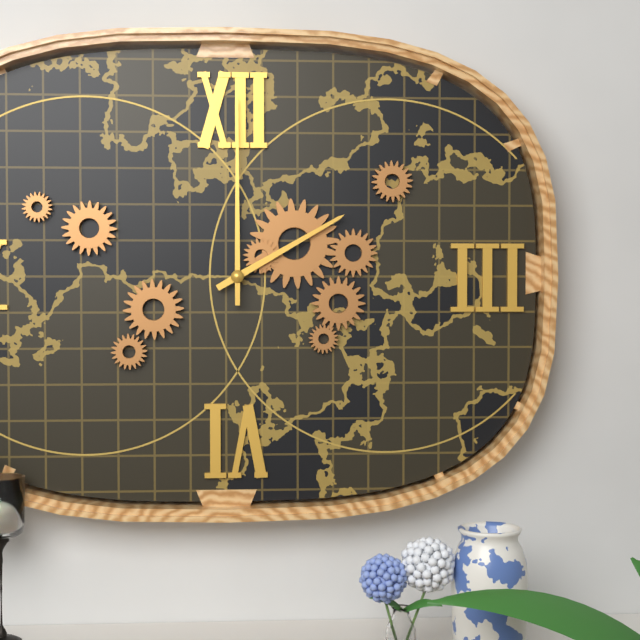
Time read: **2:00**
